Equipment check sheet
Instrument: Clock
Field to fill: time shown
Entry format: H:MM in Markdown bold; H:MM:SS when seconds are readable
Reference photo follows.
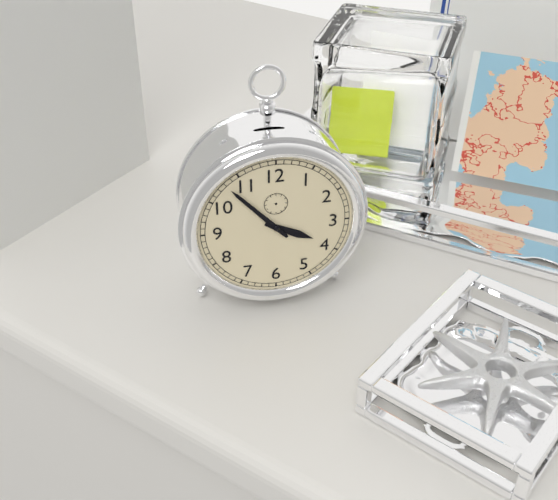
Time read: **3:53**
